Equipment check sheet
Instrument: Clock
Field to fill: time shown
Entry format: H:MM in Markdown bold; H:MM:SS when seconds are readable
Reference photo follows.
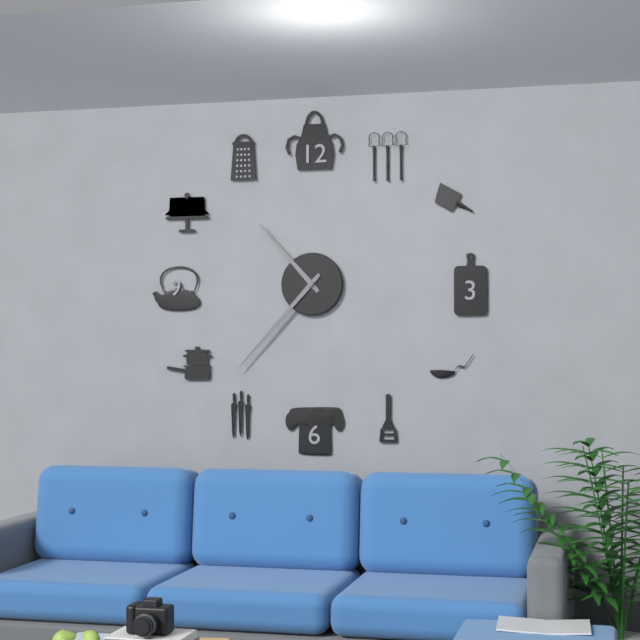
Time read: **10:37**
